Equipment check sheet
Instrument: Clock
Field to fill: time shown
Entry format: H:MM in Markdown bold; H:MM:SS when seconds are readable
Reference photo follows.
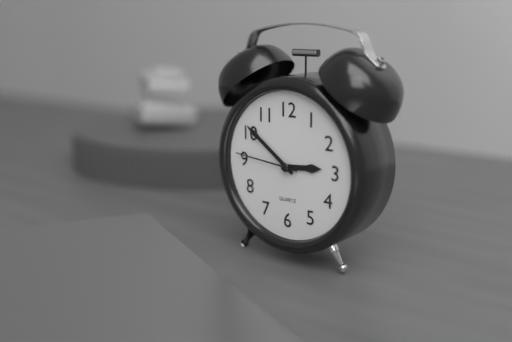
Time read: **2:51:46**
